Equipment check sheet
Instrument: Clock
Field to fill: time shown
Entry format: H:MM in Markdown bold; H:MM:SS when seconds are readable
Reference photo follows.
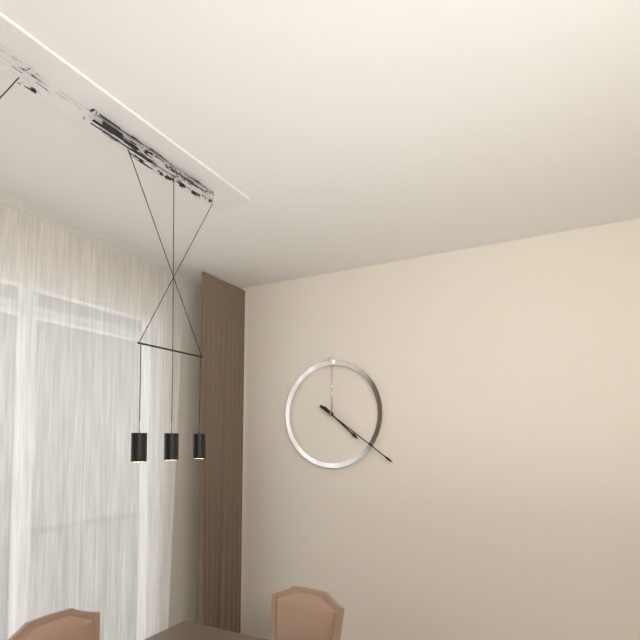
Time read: **4:21**
